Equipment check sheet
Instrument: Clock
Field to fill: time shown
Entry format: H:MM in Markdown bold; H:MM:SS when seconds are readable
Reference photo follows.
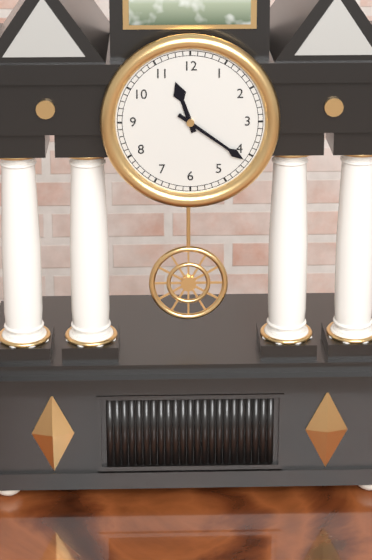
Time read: **11:21**
